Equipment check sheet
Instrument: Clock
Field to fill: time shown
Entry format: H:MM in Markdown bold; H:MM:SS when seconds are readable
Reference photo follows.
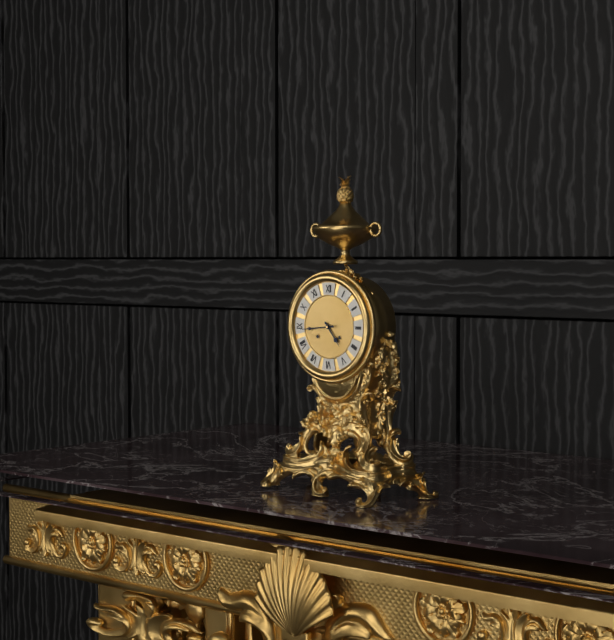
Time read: **4:44**
